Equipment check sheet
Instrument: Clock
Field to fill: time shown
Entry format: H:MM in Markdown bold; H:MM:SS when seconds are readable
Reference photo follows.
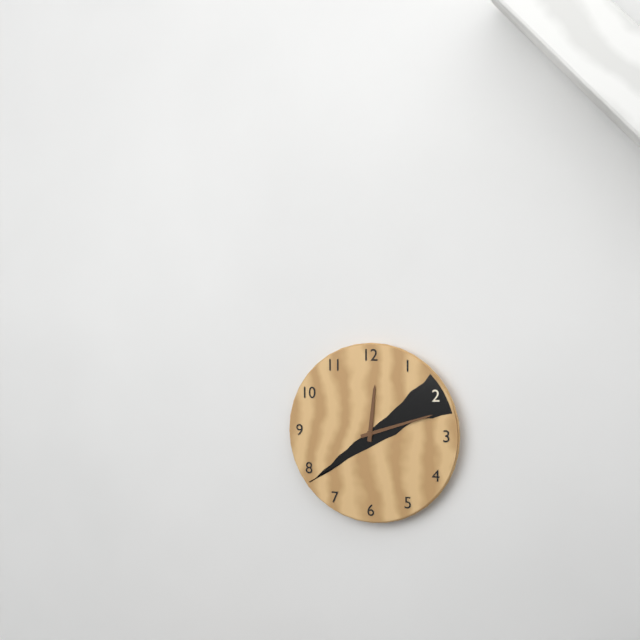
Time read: **12:12**
